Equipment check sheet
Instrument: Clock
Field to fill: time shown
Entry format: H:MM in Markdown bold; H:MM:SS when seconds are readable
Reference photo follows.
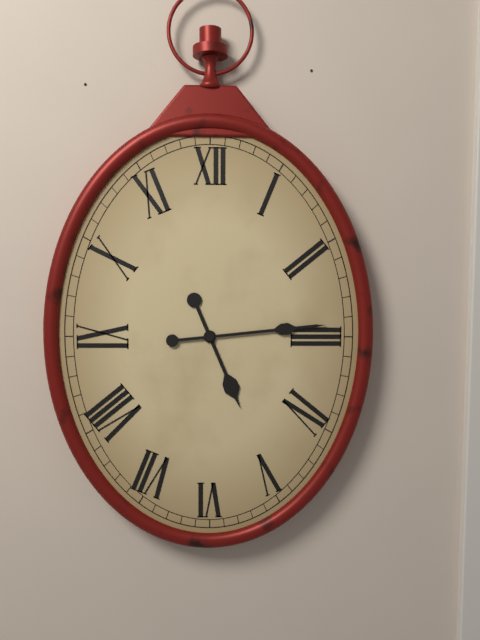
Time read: **5:14**
